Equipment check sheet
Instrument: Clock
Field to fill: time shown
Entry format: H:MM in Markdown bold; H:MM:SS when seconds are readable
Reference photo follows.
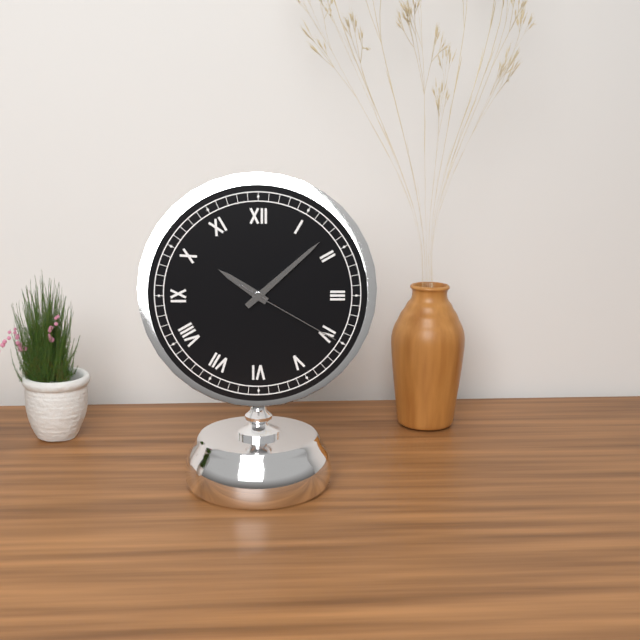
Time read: **10:08:20**
